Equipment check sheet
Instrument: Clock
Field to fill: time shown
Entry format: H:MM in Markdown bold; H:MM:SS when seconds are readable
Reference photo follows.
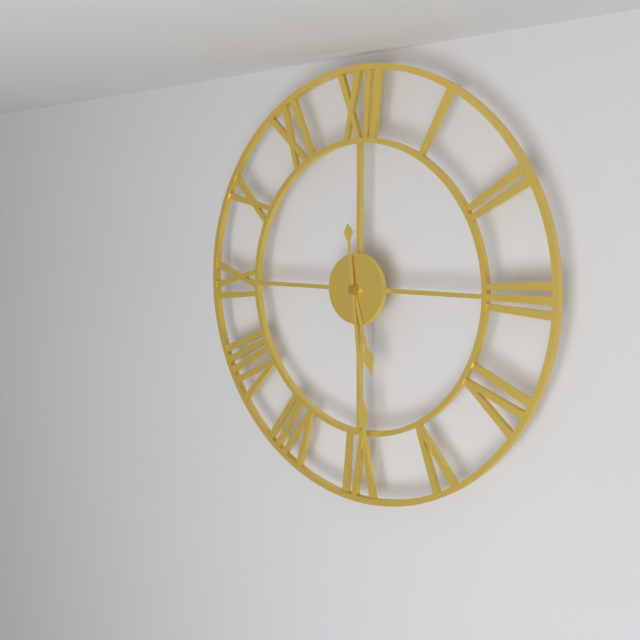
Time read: **5:29**
